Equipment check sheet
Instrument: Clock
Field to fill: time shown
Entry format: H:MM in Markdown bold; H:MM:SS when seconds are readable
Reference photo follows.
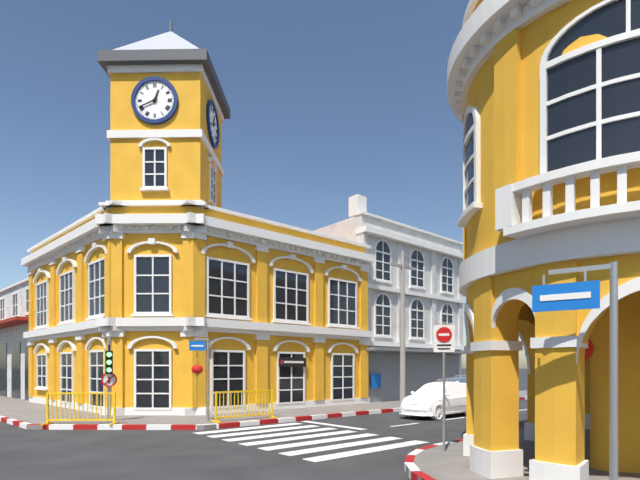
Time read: **12:41**
